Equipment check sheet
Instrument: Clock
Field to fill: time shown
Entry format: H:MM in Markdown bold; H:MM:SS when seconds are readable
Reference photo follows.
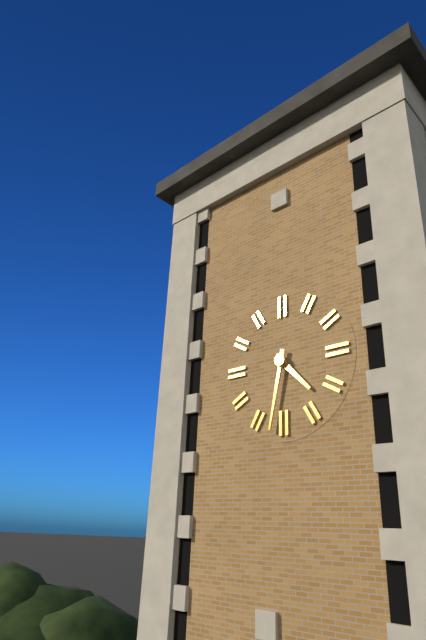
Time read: **4:32**
